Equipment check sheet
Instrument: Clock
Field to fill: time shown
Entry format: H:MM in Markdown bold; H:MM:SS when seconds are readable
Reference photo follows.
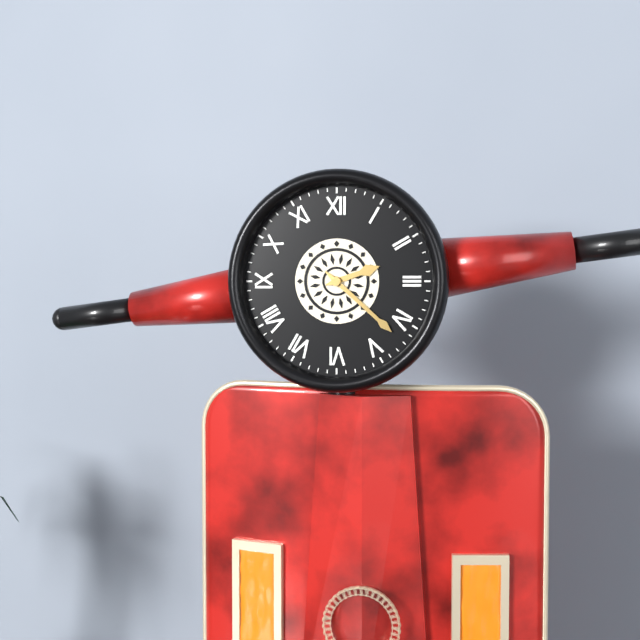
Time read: **2:22**
